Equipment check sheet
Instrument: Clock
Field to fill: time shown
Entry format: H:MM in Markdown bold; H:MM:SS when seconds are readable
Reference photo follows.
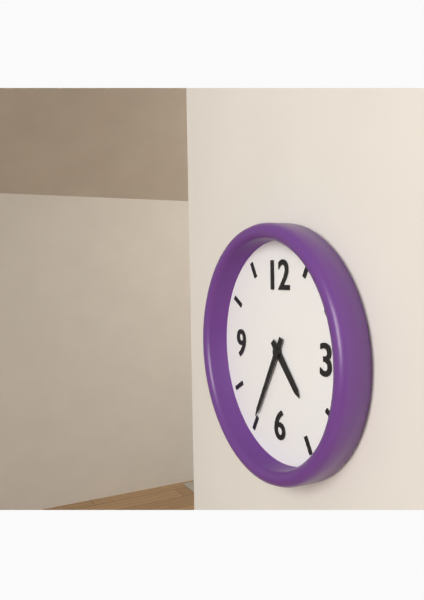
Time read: **4:35**
